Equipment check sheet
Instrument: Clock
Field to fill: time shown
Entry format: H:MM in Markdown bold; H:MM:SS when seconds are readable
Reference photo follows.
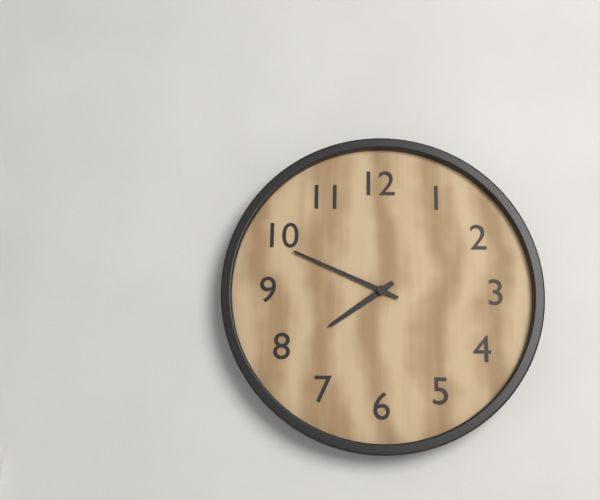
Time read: **7:49**
